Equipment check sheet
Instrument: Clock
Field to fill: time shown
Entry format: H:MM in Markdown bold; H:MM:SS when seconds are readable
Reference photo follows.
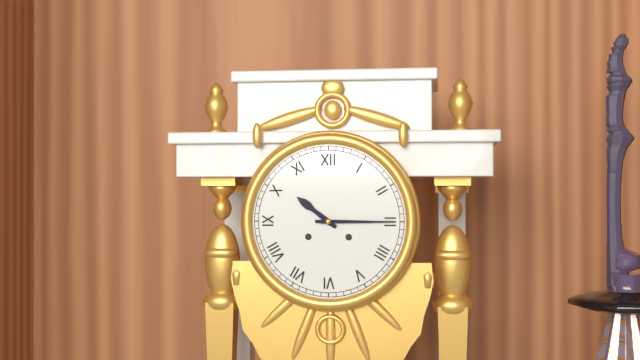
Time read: **10:15**
